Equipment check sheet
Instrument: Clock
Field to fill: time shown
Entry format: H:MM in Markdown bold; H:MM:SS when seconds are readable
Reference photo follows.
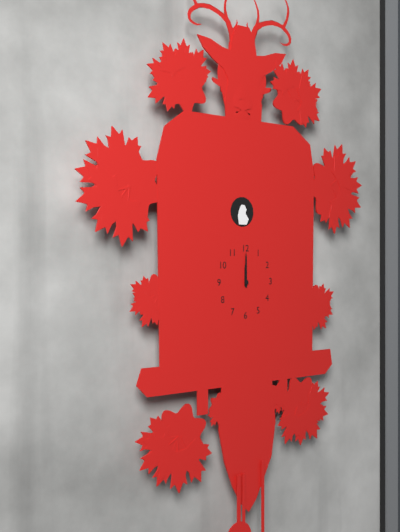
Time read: **12:00**
